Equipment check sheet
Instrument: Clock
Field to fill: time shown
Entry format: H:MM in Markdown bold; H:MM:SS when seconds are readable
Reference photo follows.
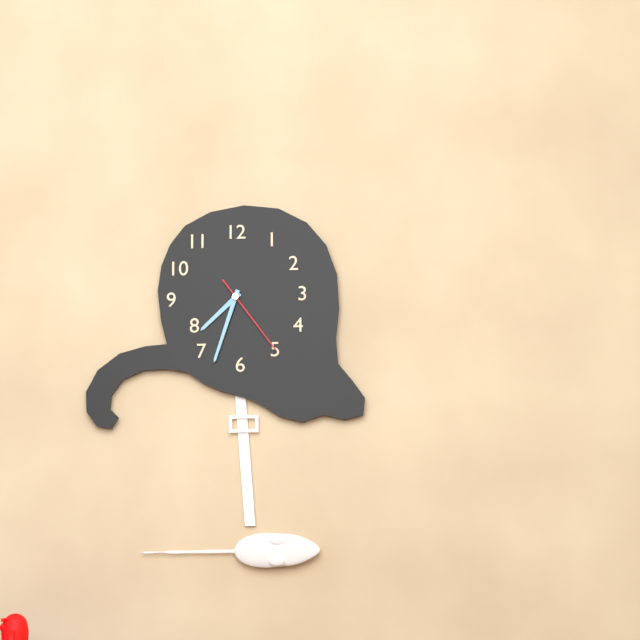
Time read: **7:33:24**
